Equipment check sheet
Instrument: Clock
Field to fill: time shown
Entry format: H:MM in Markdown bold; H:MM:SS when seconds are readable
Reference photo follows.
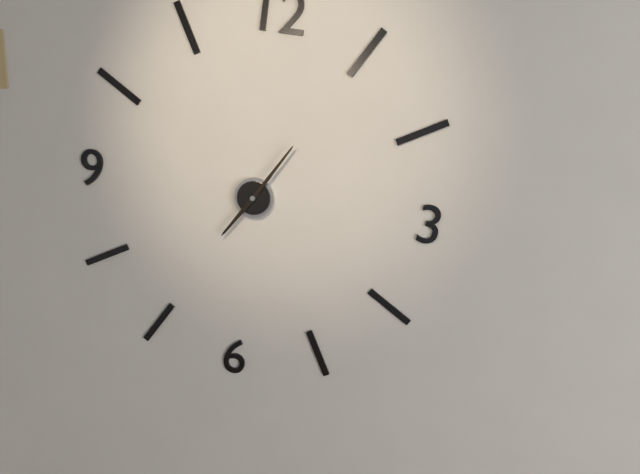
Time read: **7:05**
